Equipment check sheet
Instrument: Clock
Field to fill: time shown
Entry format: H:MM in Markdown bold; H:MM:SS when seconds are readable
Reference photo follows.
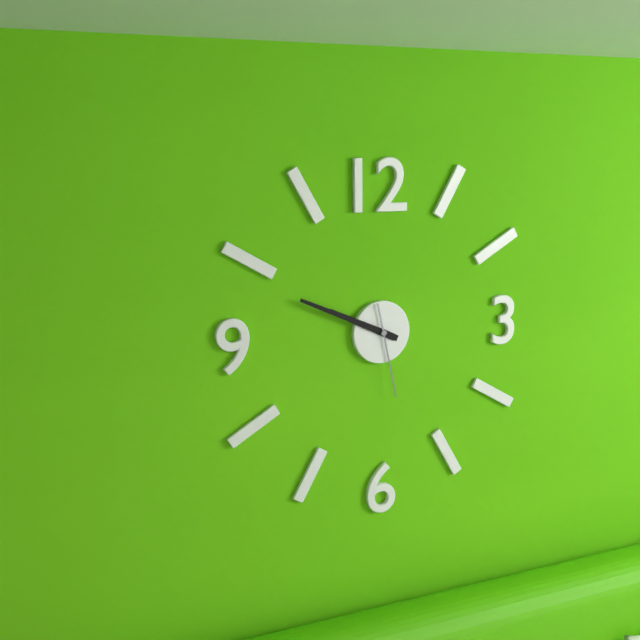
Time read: **9:49:28**
